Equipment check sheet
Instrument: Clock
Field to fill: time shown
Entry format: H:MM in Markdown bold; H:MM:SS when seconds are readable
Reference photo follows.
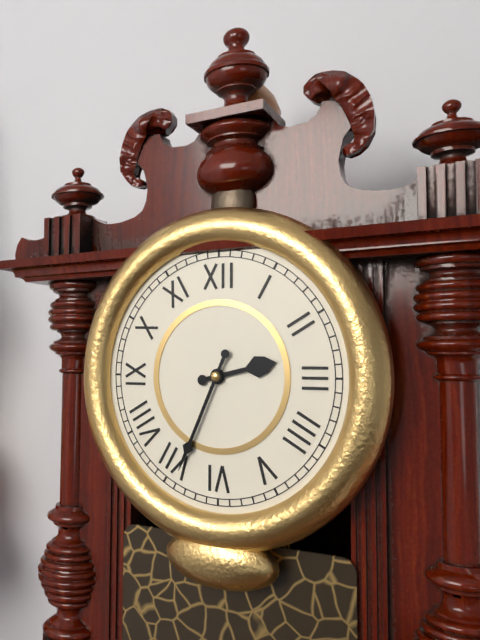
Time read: **2:34**
